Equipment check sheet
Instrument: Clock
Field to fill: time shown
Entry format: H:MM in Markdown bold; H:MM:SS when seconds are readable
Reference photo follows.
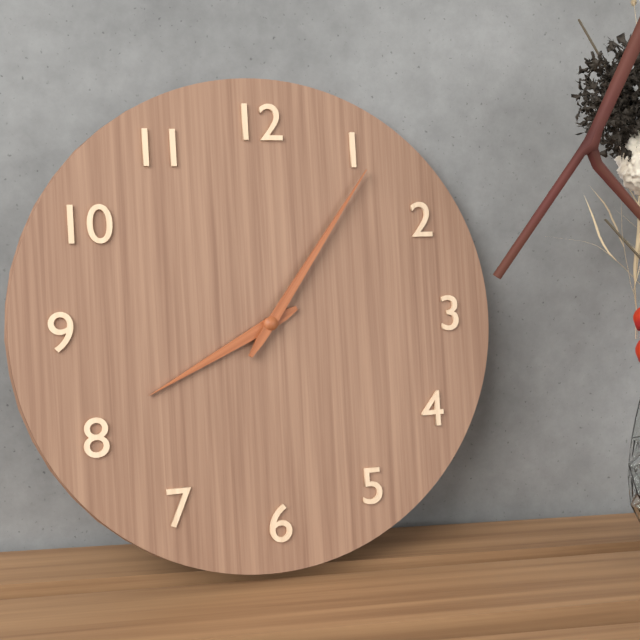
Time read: **8:06**
